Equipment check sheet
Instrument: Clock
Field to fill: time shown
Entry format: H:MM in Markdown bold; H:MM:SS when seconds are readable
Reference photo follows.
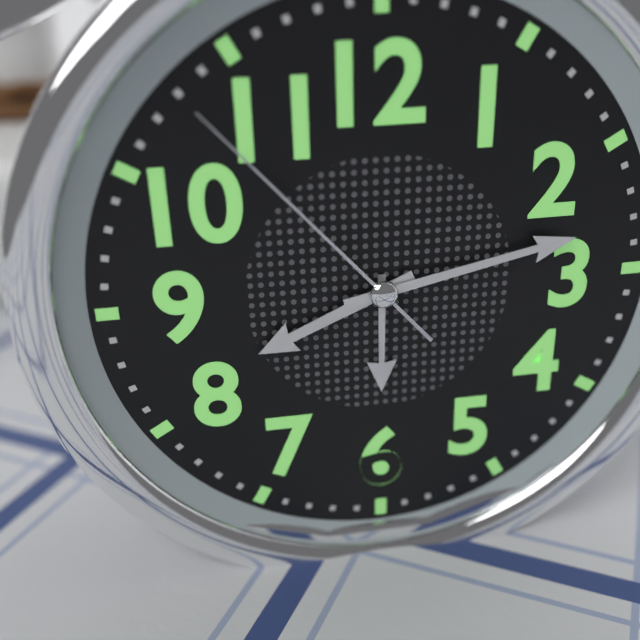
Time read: **8:13:53**
